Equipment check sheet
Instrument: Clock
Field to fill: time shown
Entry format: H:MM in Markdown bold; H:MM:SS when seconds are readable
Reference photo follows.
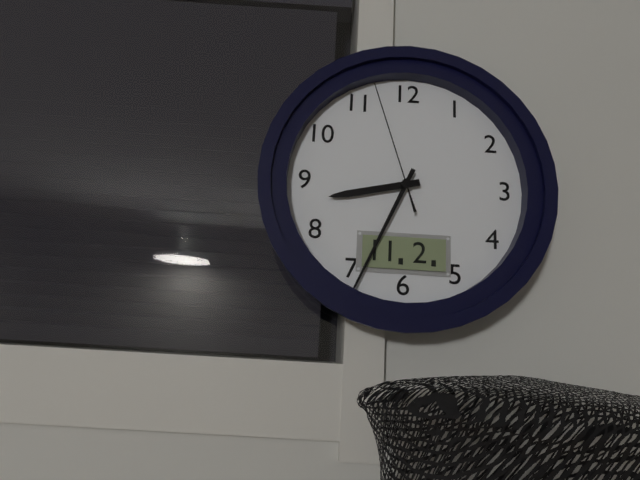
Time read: **8:34:57**
